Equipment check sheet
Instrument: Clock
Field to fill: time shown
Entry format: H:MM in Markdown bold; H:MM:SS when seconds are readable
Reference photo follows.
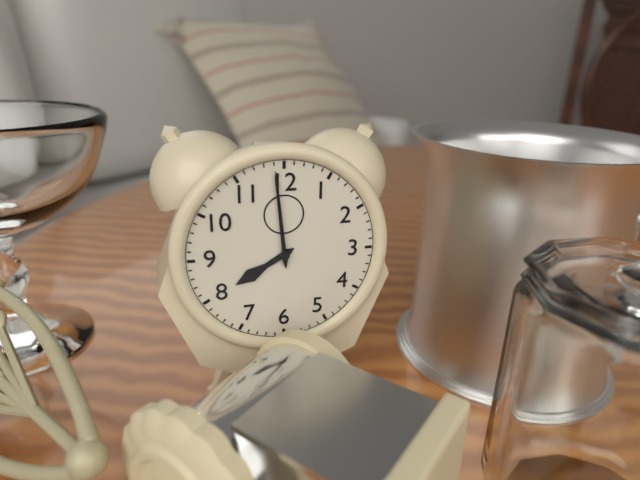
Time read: **7:59**
